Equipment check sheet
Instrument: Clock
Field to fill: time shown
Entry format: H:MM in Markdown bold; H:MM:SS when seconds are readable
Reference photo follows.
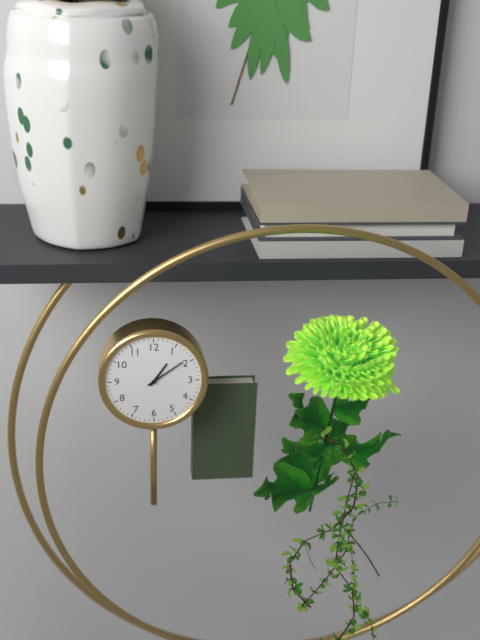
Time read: **1:09**
